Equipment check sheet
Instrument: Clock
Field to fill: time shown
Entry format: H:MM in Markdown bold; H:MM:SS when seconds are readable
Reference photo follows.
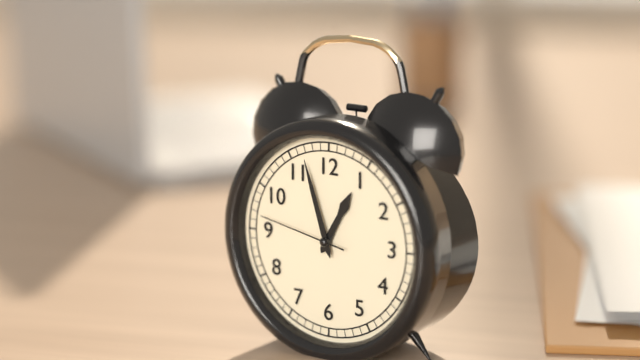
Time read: **12:57:47**
